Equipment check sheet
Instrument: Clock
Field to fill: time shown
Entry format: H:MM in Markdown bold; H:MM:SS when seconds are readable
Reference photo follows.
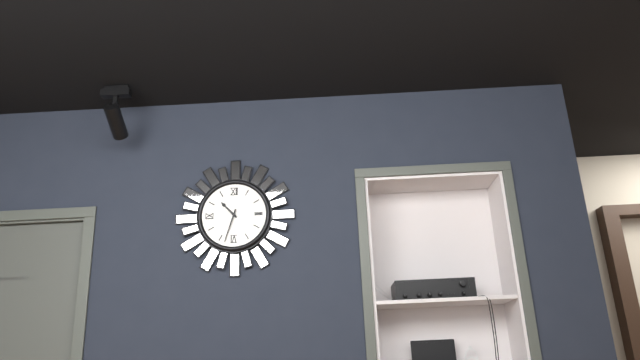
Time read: **10:33**
